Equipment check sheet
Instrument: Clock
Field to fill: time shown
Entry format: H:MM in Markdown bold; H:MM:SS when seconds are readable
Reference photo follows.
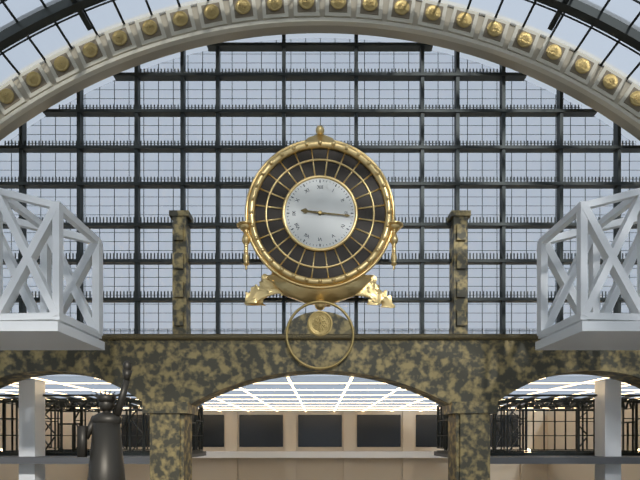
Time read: **9:16**
